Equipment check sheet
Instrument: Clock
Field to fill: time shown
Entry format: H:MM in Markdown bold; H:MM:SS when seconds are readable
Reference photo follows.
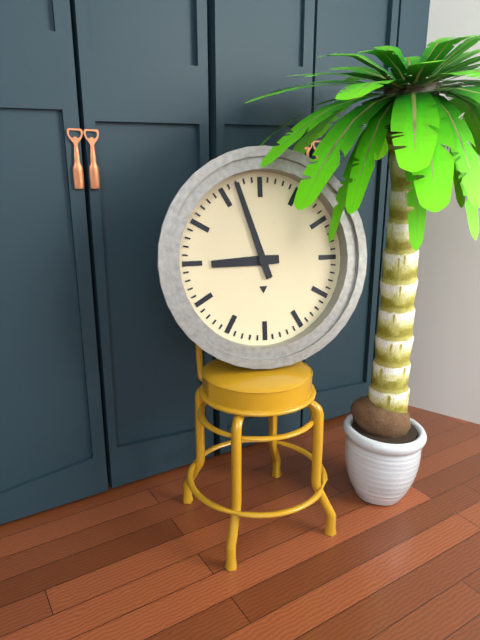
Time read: **8:57**
